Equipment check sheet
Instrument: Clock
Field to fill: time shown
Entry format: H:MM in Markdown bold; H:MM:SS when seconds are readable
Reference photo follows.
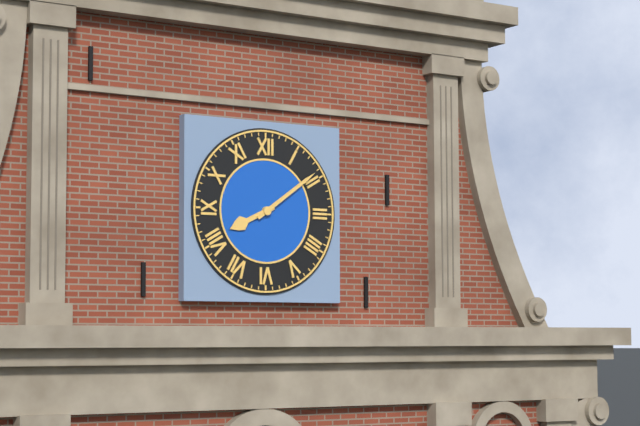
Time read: **8:09**
